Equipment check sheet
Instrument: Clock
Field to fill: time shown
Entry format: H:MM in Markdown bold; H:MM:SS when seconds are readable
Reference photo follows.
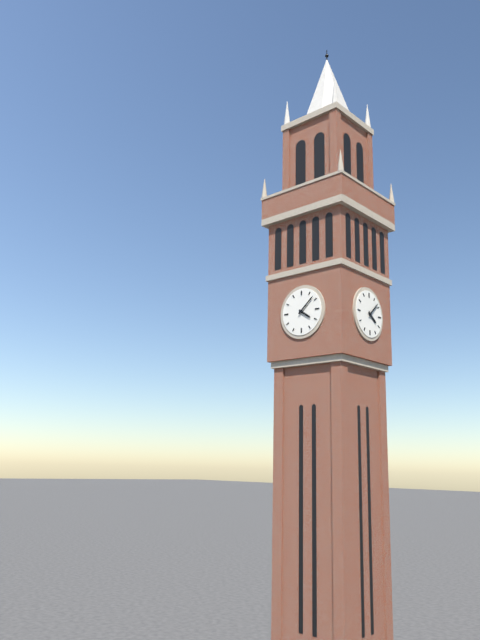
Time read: **4:08**
